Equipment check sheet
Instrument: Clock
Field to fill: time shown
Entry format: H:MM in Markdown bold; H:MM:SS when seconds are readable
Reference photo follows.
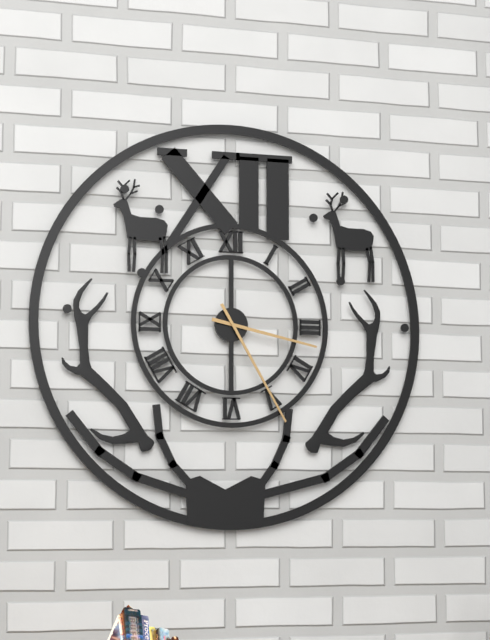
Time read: **3:25**
